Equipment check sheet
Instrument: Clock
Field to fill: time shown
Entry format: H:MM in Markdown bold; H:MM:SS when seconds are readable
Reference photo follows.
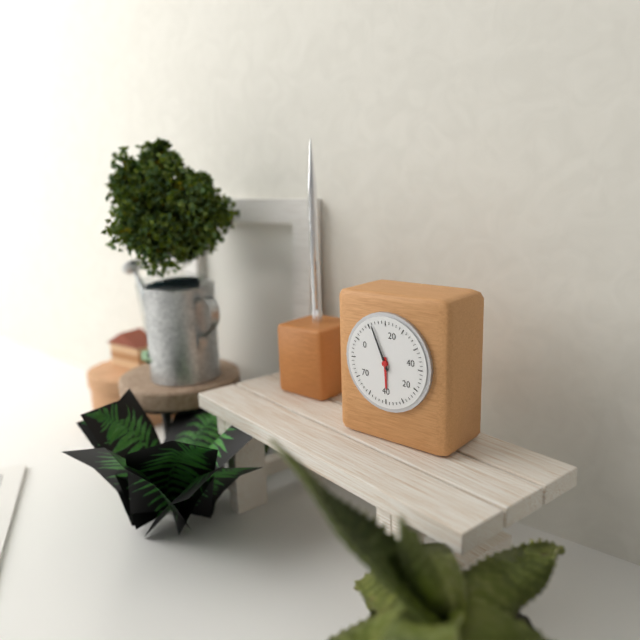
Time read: **5:56**
